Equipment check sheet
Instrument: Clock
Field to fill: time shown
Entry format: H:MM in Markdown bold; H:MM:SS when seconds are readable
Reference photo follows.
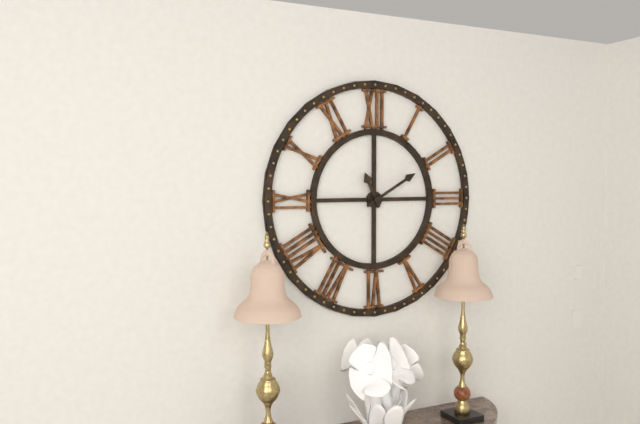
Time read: **11:10**
